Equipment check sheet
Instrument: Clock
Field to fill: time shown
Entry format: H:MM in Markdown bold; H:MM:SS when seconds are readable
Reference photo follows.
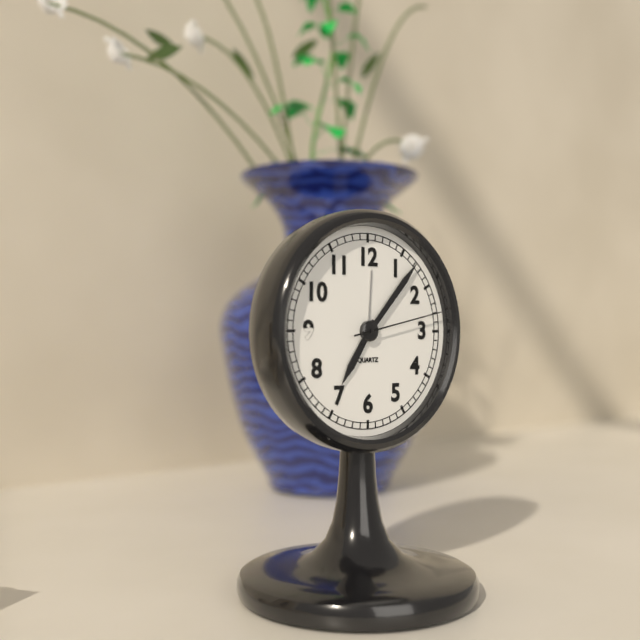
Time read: **7:07:13**
